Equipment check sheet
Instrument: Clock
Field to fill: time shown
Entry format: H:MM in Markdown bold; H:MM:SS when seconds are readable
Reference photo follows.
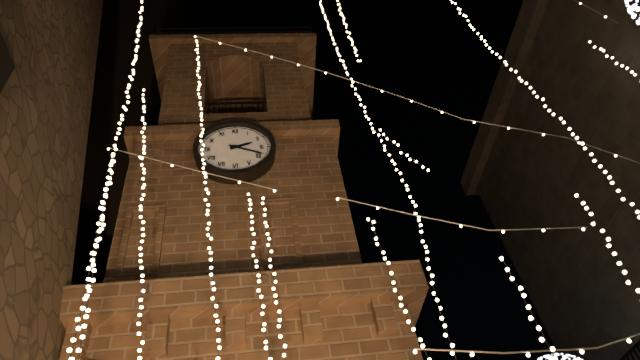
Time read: **2:19**
